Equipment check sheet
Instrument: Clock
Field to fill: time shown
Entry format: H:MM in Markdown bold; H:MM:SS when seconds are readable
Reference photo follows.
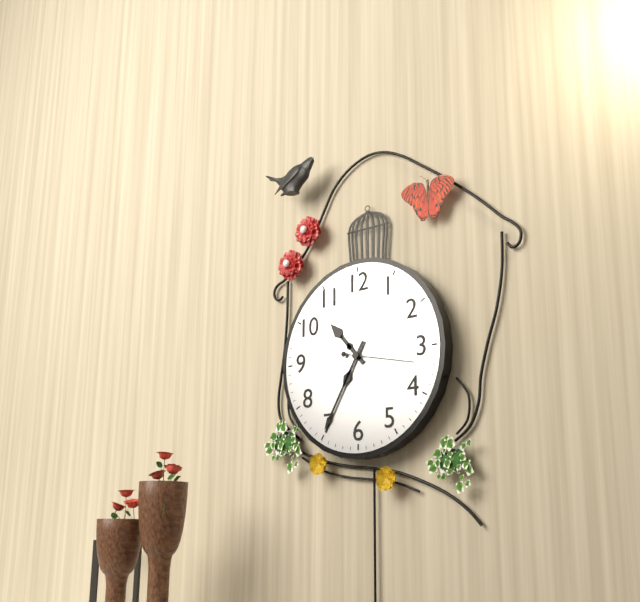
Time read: **10:35:17**
